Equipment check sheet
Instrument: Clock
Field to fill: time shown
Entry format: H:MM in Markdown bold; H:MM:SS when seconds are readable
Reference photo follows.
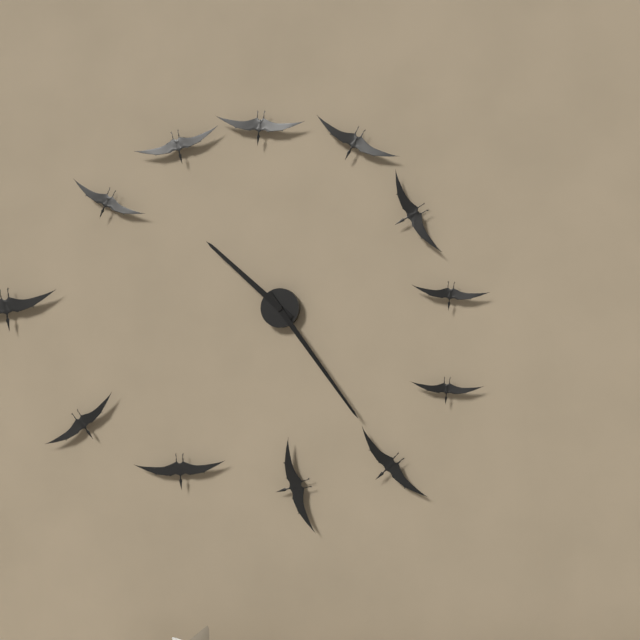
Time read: **10:24**
